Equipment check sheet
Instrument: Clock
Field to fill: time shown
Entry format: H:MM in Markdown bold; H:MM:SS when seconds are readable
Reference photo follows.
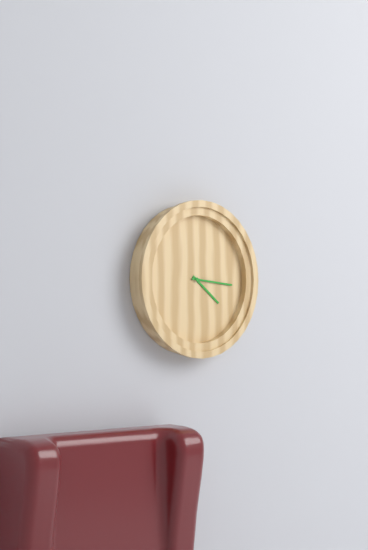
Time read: **4:16**
